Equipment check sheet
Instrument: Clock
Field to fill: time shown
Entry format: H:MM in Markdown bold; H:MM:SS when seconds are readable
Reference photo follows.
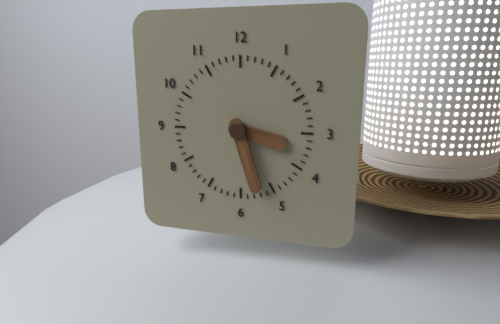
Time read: **3:27**
